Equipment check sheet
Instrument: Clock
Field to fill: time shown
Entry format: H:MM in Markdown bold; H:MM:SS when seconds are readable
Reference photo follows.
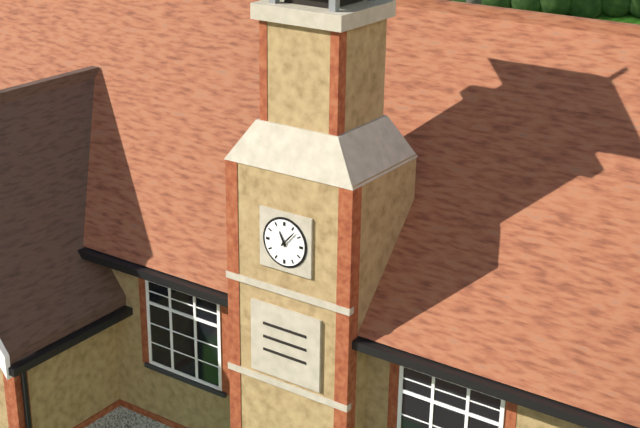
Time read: **11:07**
